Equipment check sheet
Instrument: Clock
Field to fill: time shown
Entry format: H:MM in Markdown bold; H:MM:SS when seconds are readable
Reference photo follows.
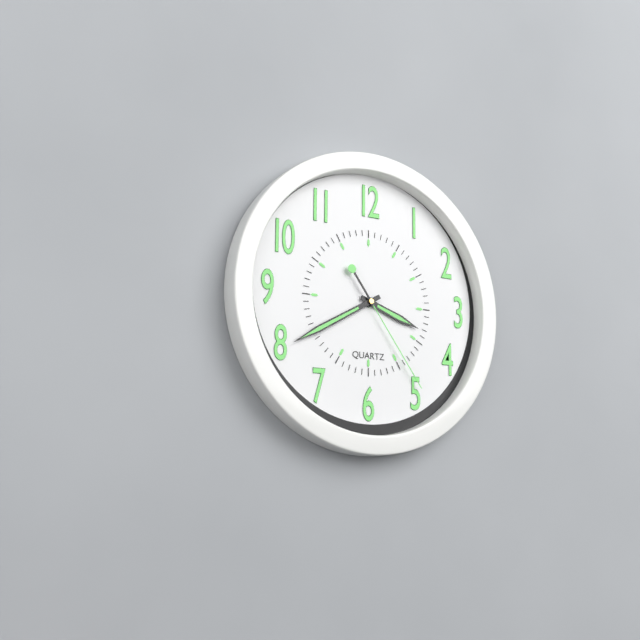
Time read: **3:40:24**
